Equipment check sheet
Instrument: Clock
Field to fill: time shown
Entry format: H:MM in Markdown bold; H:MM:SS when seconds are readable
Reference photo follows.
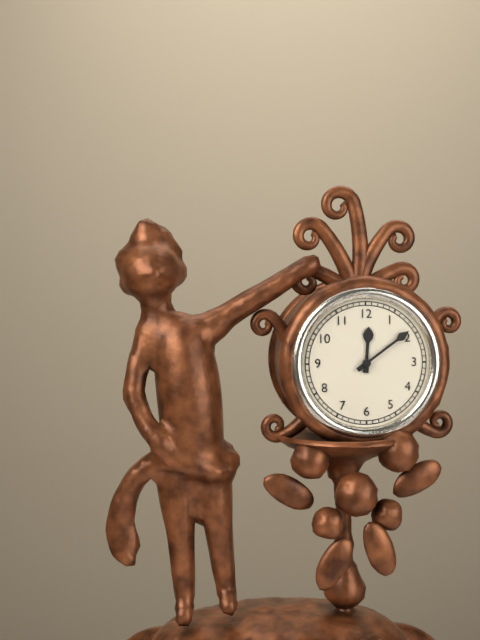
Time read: **12:09**
